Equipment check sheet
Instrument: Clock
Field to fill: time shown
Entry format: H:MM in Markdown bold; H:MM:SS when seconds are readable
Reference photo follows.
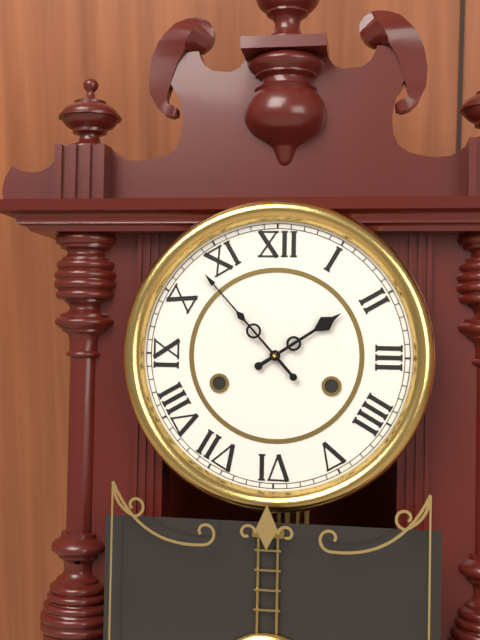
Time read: **1:53**
